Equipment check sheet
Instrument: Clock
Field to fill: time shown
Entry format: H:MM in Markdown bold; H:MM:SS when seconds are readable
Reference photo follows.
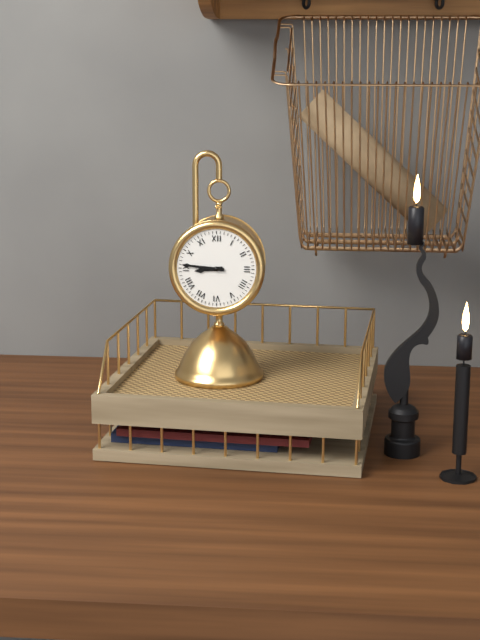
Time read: **8:46**
